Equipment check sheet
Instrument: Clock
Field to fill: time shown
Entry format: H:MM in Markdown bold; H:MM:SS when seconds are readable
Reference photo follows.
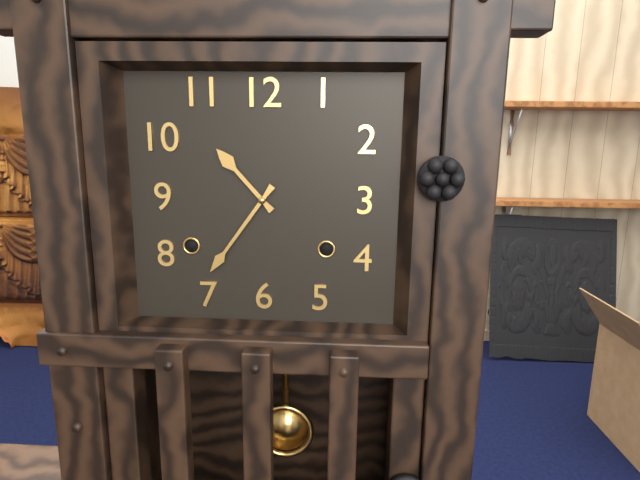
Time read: **10:36**
